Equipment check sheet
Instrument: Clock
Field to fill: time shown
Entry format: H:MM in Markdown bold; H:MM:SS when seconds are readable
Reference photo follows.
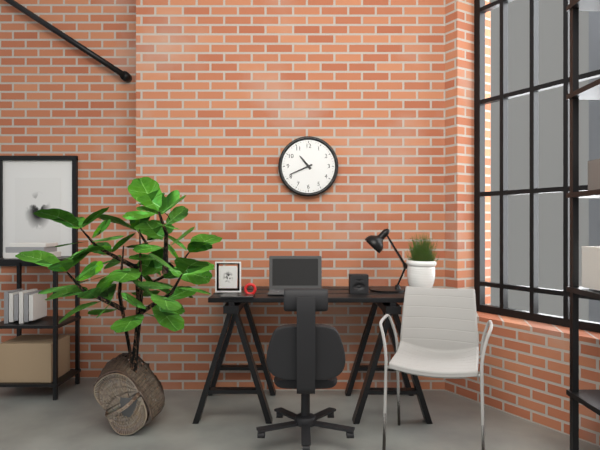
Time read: **10:41**
